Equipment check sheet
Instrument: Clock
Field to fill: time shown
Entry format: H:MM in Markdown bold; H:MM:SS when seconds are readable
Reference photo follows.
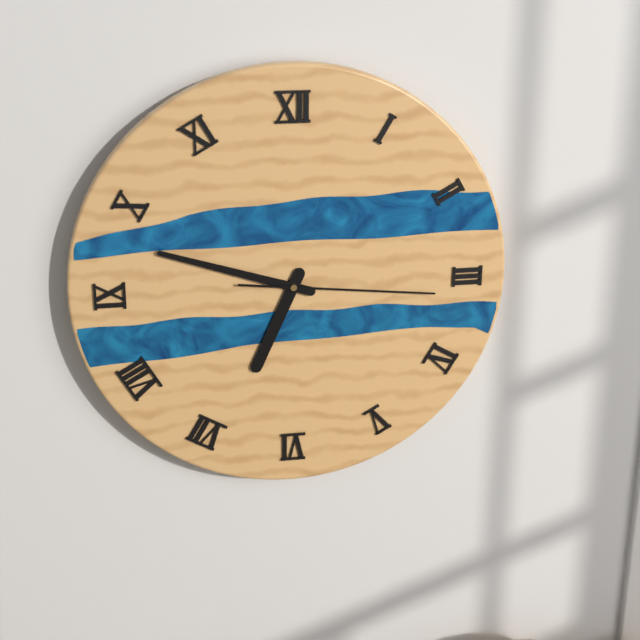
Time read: **6:48:16**
